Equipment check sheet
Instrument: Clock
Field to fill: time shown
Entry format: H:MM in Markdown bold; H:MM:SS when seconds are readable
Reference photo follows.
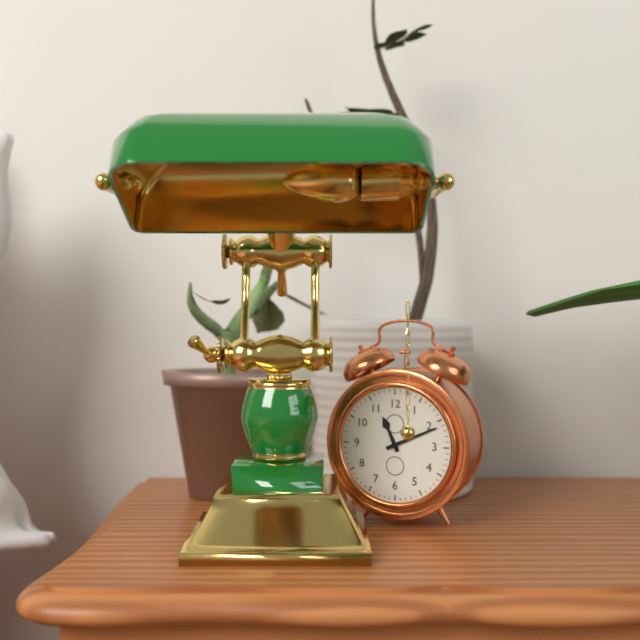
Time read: **11:11**
